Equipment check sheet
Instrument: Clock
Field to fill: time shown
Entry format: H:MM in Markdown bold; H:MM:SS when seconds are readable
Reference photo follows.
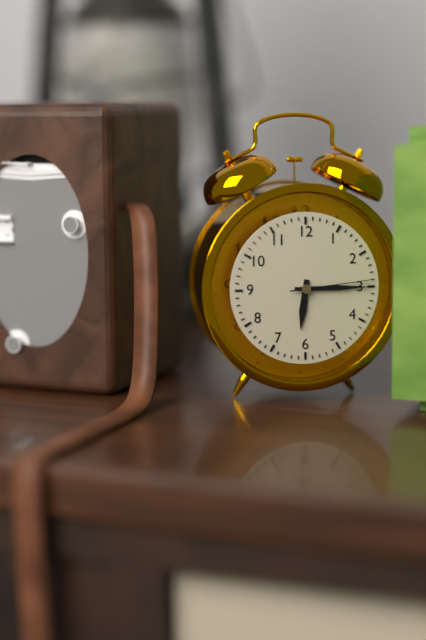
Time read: **6:15:14**
